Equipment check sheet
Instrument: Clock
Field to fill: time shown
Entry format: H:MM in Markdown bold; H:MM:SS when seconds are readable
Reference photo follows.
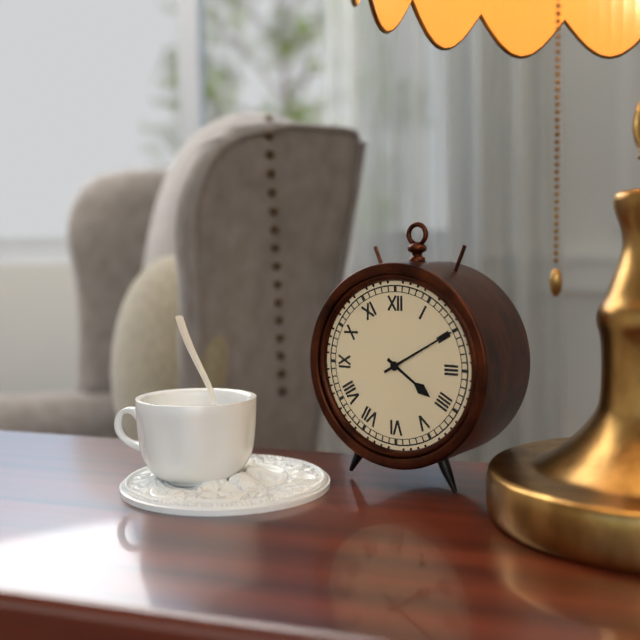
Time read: **4:10**
